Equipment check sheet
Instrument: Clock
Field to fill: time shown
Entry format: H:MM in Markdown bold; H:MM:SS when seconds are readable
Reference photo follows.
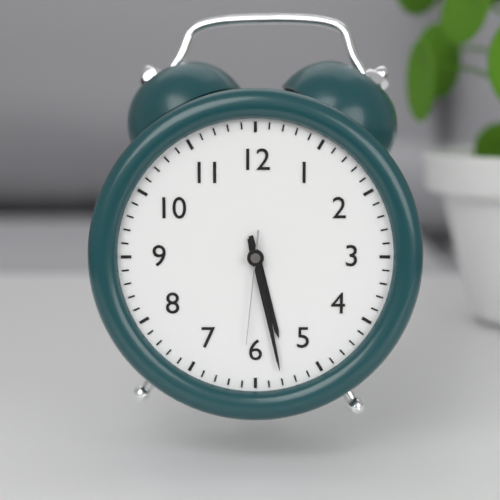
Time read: **5:28:31**
